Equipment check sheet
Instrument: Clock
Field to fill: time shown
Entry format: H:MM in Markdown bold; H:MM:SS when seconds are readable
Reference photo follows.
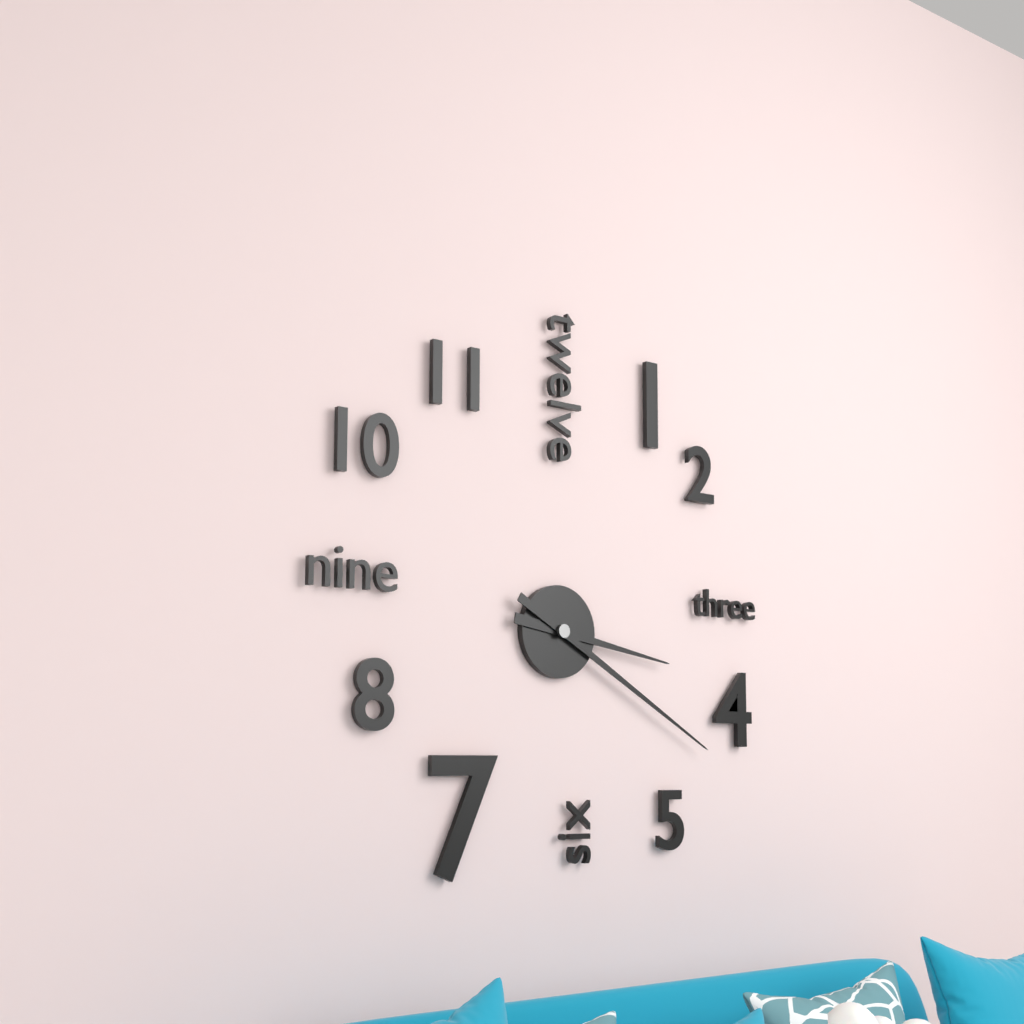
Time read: **3:20**
